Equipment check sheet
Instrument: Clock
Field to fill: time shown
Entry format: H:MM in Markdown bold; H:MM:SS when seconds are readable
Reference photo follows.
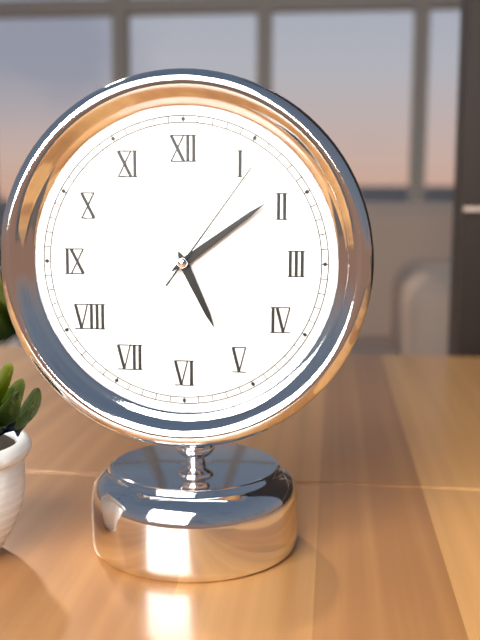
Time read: **5:09:06**
